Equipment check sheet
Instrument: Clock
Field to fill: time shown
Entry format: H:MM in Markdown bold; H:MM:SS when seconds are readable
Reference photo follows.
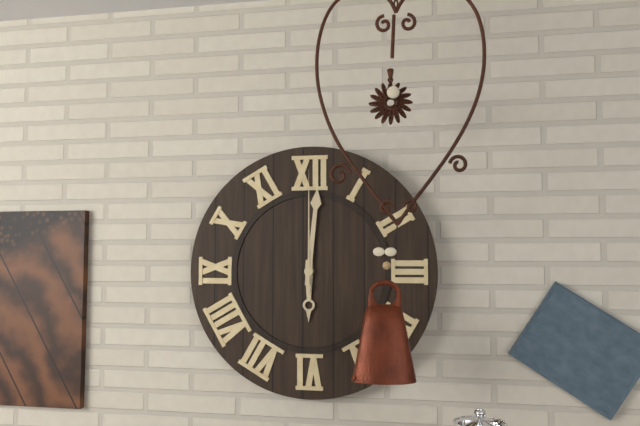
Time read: **6:01:00**
